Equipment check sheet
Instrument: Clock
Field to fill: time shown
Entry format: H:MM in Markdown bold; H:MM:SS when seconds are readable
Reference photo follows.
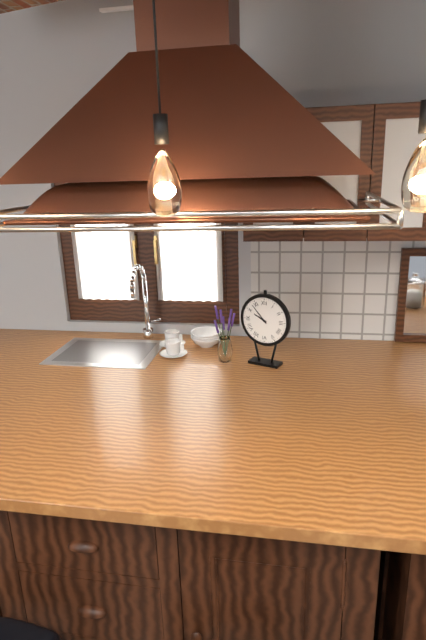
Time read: **9:53**
